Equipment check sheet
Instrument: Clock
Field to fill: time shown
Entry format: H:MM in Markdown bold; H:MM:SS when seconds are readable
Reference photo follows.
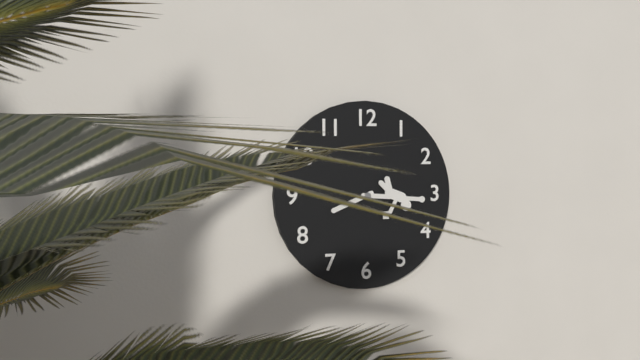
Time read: **8:15**
